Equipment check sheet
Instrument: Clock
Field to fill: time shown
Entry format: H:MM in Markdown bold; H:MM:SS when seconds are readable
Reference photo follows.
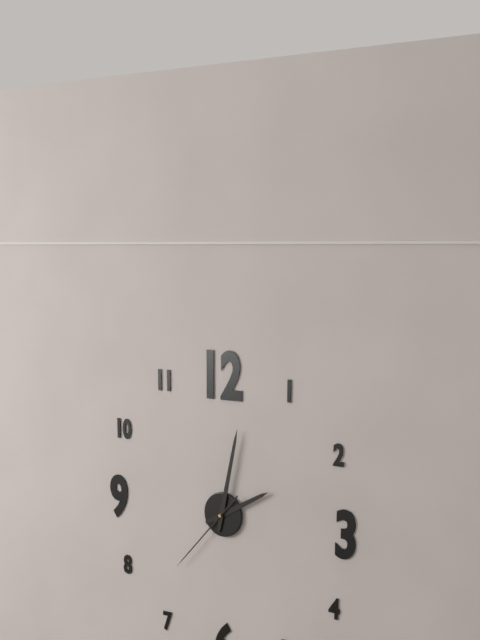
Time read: **2:02:37**
